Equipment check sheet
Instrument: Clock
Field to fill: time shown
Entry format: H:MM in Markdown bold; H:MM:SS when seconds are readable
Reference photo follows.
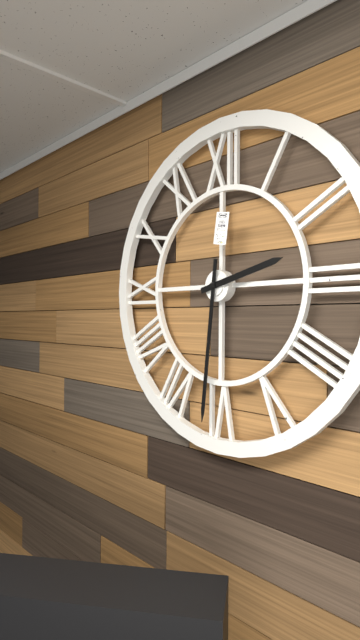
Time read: **2:31**
